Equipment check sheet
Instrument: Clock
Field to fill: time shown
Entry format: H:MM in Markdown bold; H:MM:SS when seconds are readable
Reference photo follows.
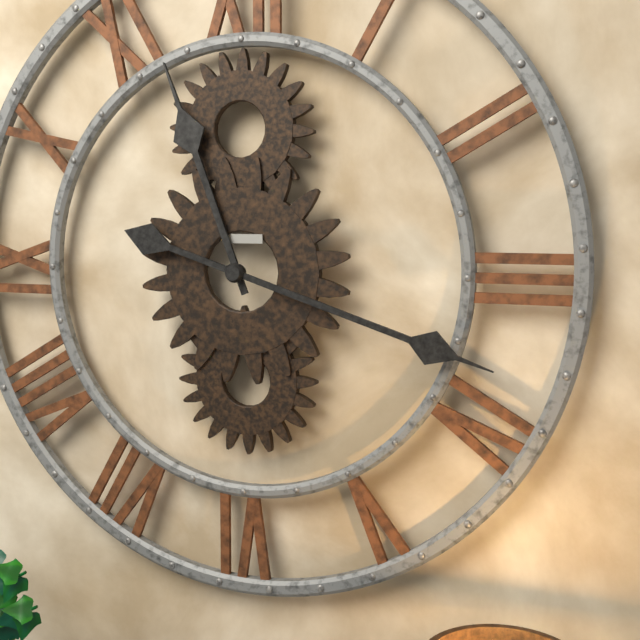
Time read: **11:18**
